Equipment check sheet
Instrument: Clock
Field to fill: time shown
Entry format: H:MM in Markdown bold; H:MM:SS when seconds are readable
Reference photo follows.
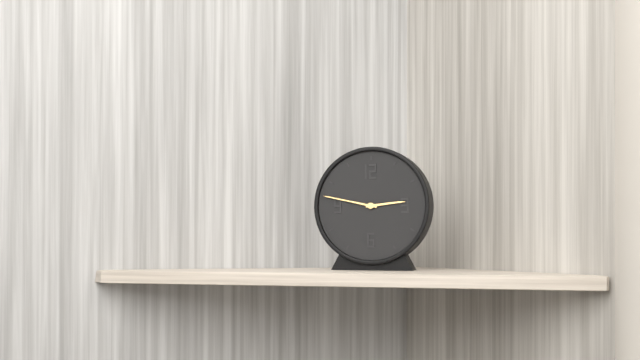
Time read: **2:47**
